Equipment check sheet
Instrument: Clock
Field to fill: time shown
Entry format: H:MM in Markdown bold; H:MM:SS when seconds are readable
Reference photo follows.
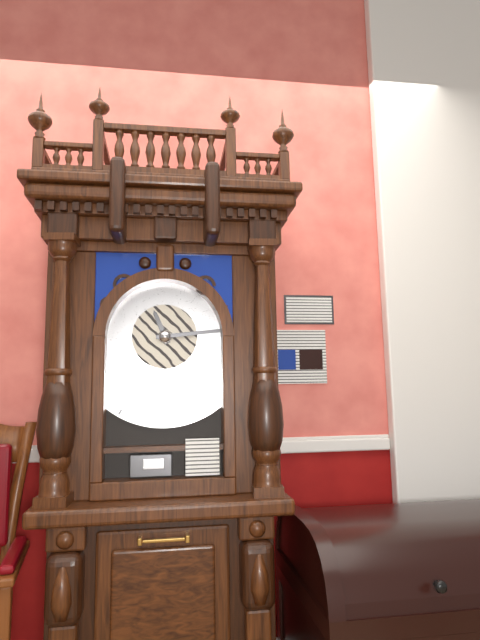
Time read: **11:14**
